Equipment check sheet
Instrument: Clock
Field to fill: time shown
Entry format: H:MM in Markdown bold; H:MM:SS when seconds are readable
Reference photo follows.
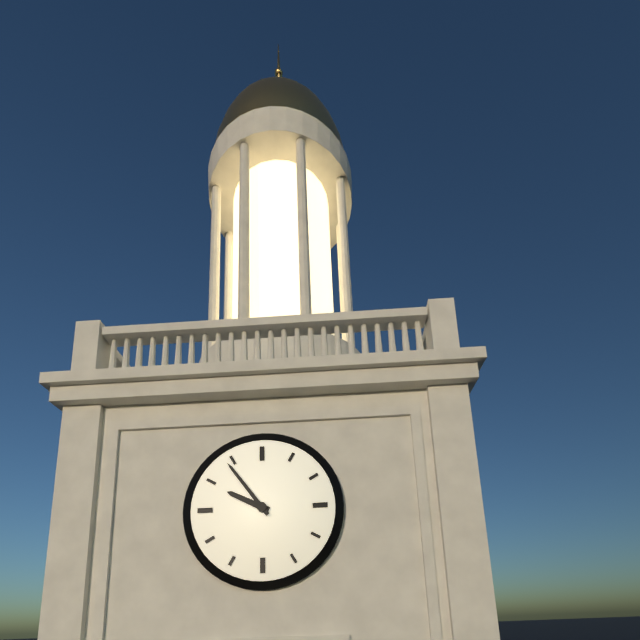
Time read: **9:54**
